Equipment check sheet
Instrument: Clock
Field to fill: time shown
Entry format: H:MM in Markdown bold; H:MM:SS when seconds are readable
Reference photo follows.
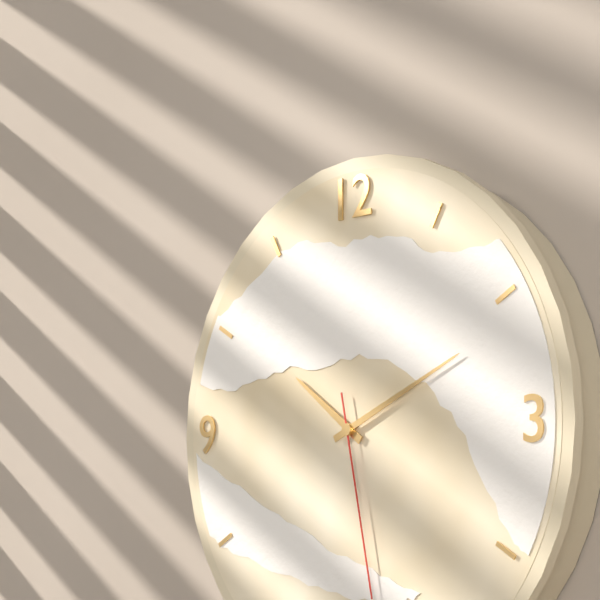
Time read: **10:11:28**
